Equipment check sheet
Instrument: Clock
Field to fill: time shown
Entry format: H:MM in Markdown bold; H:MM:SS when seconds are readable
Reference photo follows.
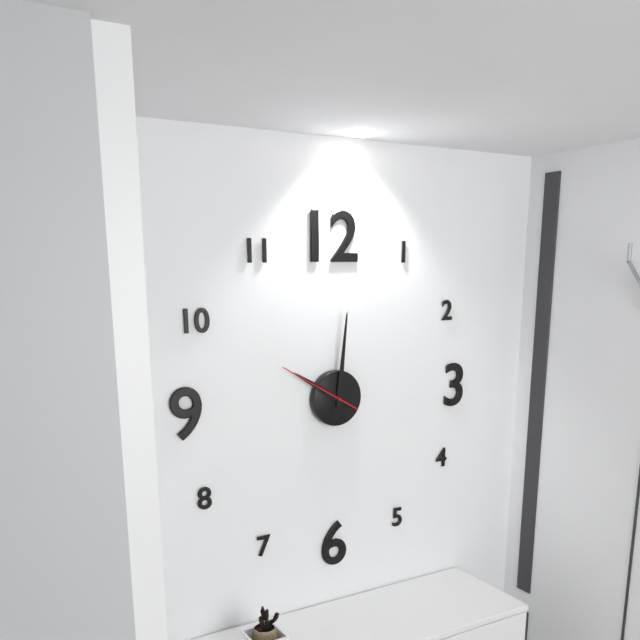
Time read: **10:01:50**
